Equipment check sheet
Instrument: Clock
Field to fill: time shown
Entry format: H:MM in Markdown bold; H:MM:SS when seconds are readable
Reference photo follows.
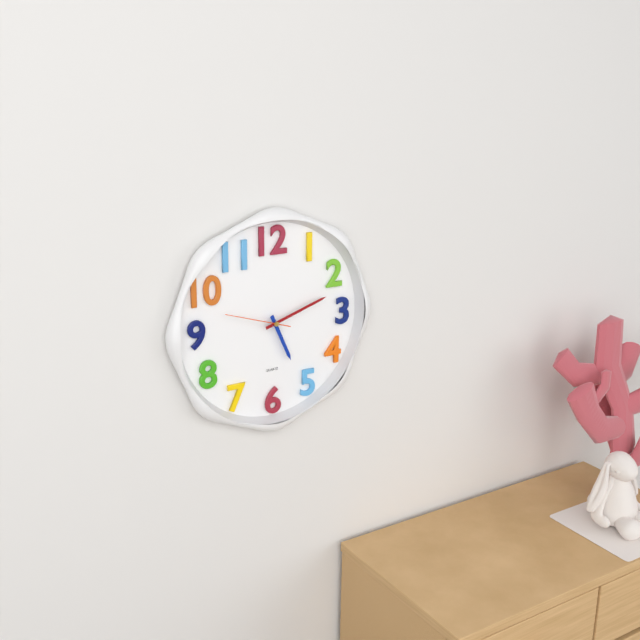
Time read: **5:12:48**
